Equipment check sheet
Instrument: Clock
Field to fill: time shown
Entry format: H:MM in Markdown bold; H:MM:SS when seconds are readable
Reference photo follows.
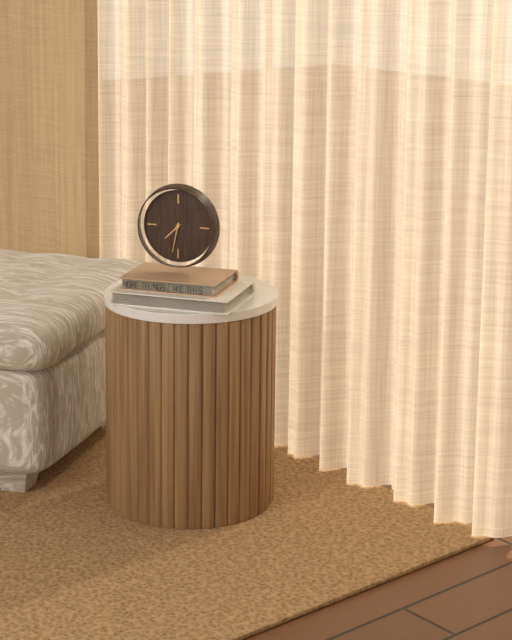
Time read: **7:32**
